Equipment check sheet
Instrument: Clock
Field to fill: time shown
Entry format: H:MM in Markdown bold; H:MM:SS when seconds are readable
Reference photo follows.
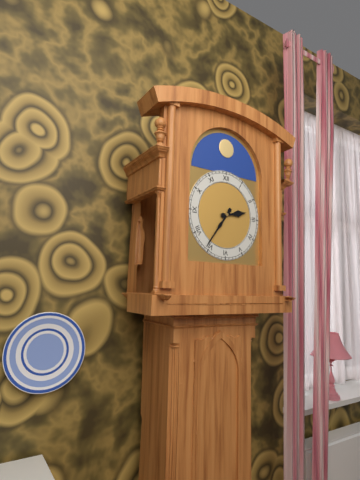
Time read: **2:36**
